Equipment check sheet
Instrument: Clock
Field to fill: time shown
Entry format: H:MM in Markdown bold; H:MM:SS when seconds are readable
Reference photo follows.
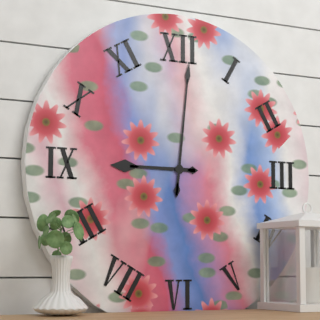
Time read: **9:01**
